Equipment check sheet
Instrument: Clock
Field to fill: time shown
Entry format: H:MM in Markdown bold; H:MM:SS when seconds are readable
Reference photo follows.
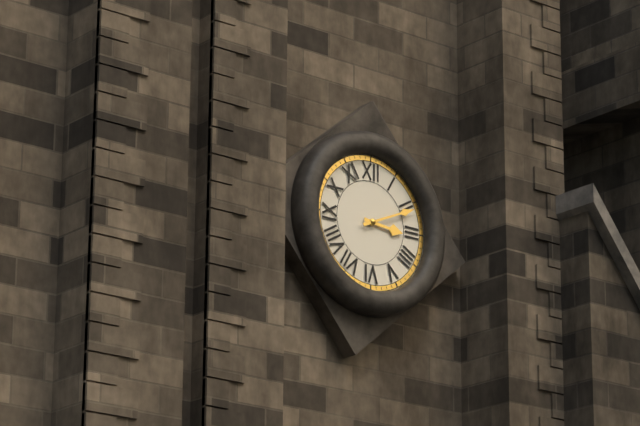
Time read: **3:11**
